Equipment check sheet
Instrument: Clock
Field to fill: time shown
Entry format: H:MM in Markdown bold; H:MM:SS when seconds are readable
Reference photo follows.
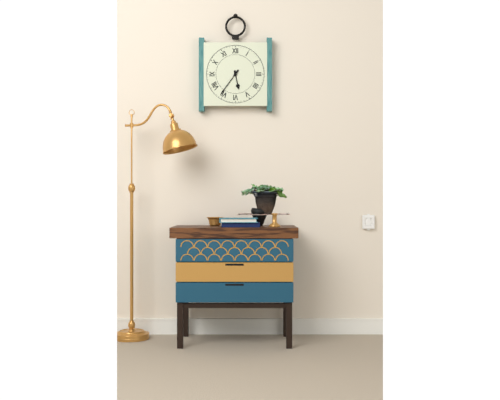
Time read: **5:36**
